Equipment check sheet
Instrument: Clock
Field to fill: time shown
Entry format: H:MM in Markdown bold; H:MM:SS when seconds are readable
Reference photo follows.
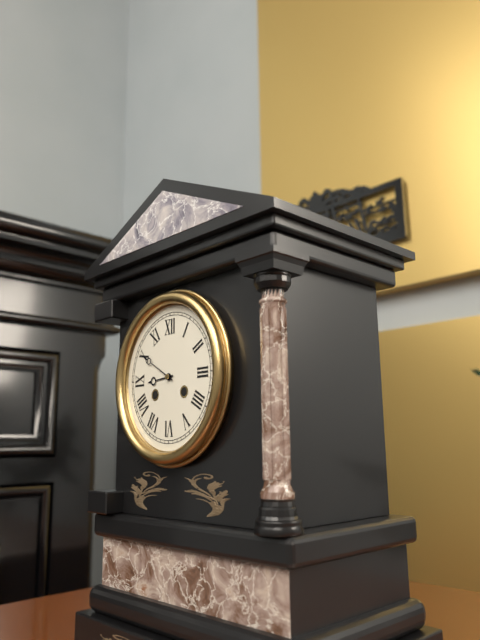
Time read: **8:50**
